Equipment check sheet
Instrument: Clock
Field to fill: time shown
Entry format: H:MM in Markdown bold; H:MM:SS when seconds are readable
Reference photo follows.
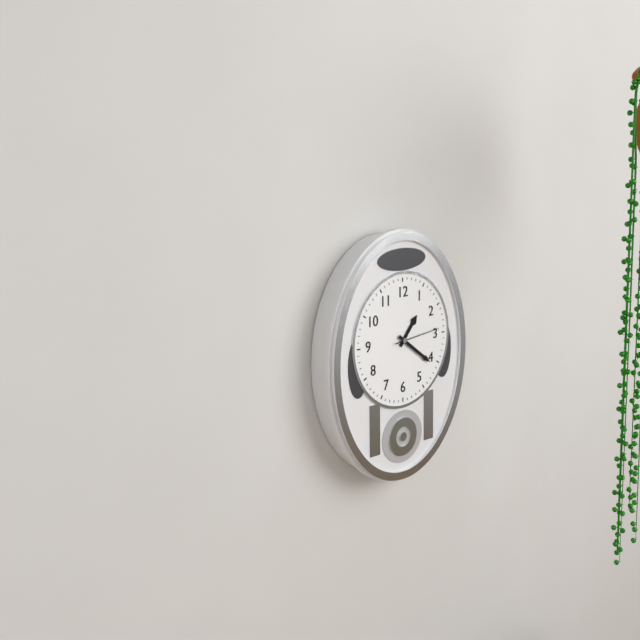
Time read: **1:21**
